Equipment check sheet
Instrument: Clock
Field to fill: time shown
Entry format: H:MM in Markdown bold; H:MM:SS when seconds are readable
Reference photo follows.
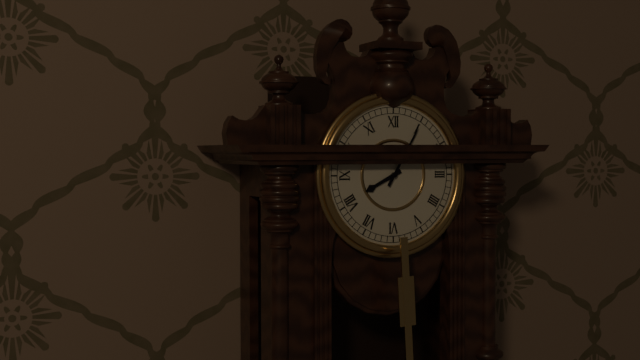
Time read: **8:05**
